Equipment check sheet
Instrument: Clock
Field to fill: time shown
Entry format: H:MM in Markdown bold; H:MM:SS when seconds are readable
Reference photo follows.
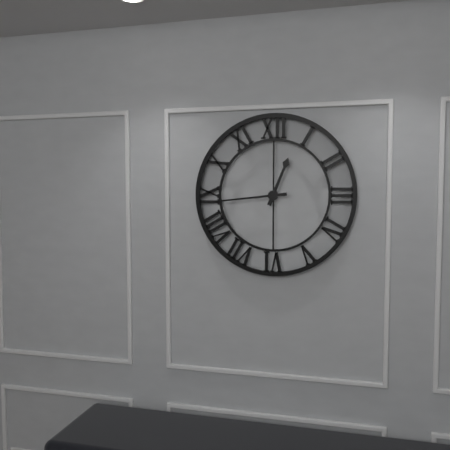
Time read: **12:44**
